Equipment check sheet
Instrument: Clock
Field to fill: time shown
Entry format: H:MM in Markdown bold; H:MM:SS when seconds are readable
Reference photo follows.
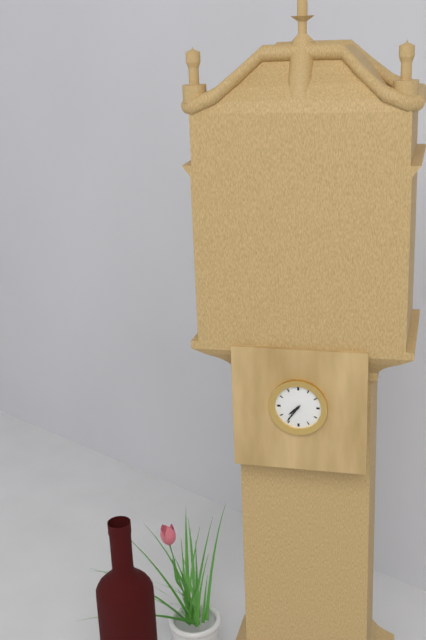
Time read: **7:36**
